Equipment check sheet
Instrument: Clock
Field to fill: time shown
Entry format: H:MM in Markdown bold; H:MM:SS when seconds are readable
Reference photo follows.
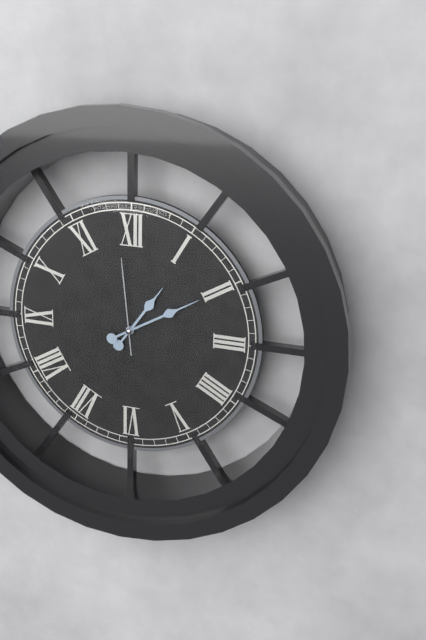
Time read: **1:10:59**
